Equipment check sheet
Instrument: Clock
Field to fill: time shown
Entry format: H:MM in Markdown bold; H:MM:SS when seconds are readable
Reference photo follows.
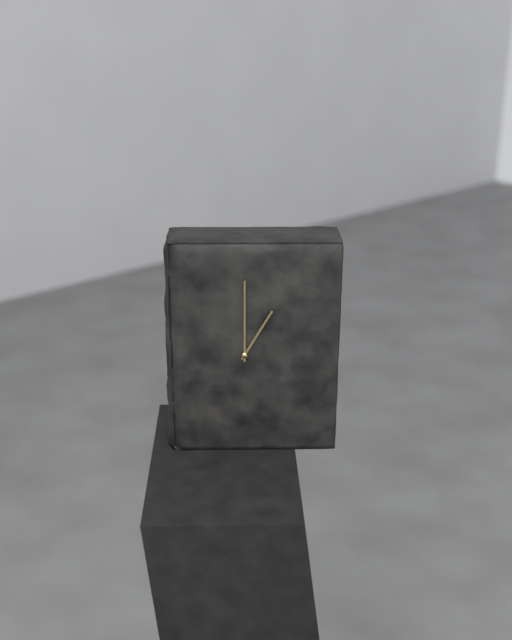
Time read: **1:00**
